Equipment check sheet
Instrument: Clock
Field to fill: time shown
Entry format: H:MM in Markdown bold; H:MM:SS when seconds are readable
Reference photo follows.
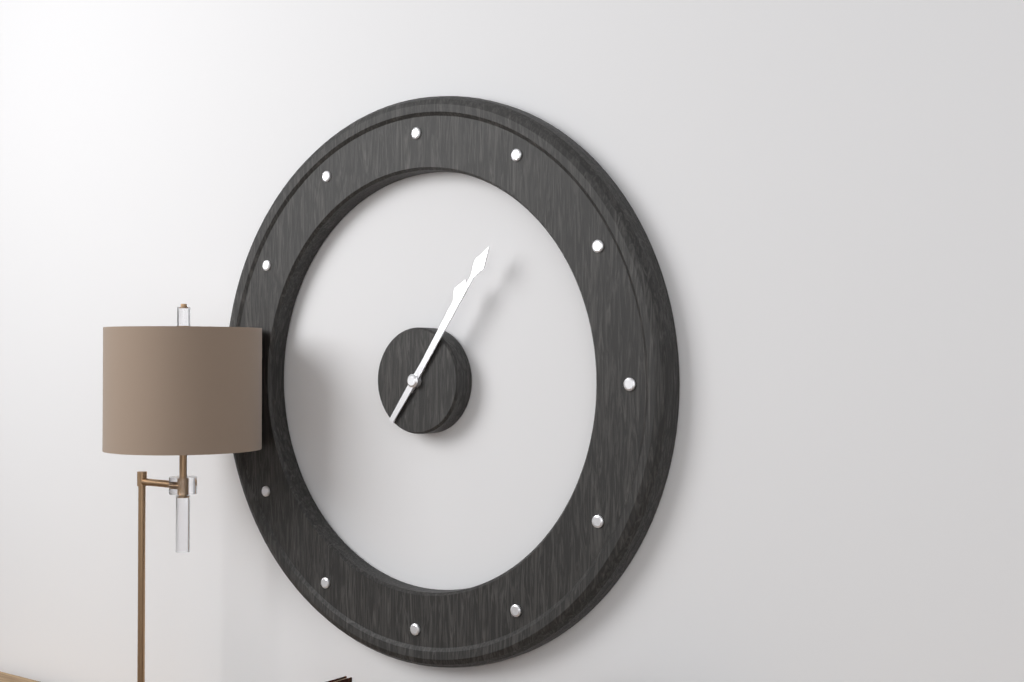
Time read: **1:06**
